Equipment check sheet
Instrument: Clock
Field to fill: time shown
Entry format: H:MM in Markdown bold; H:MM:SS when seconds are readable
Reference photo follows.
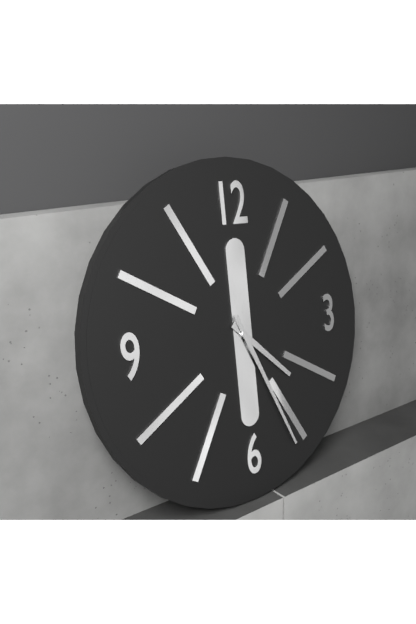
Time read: **4:26**
